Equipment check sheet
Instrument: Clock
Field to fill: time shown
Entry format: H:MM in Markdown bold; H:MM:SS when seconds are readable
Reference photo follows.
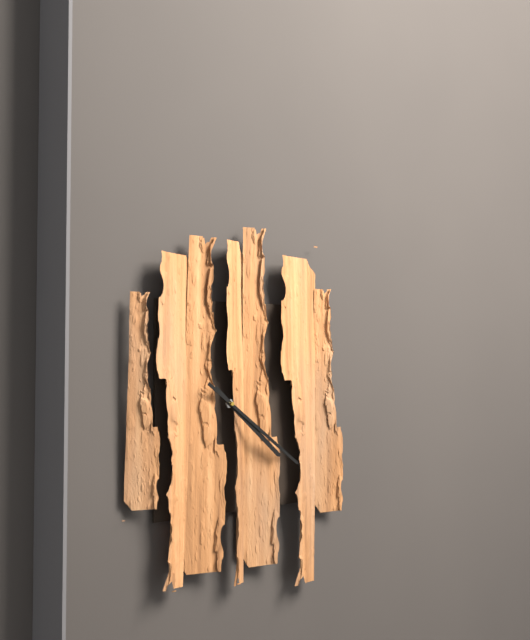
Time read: **4:21**
